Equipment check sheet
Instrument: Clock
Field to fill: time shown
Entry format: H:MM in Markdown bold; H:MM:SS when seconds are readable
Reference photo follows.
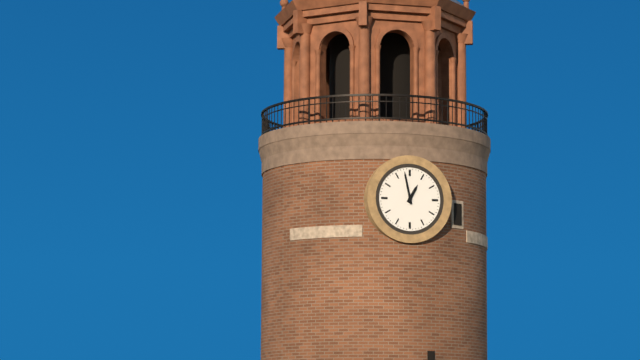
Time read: **12:58**
